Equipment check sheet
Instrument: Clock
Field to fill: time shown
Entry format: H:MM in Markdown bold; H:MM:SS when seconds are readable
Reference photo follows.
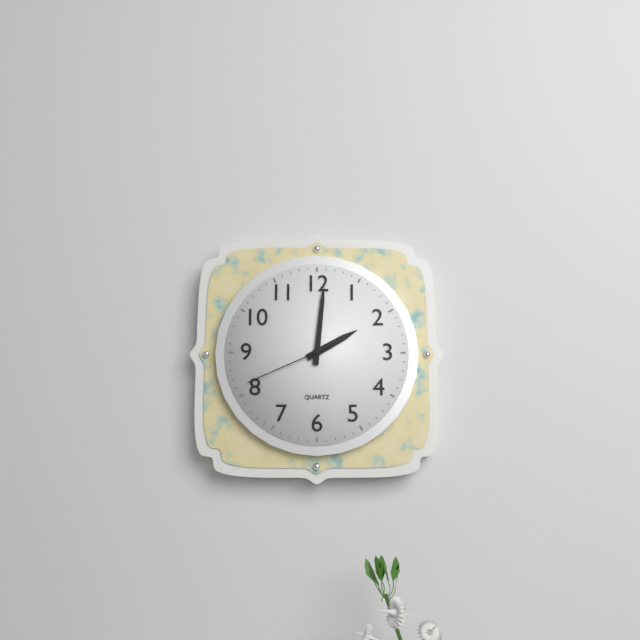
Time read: **2:01:41**
